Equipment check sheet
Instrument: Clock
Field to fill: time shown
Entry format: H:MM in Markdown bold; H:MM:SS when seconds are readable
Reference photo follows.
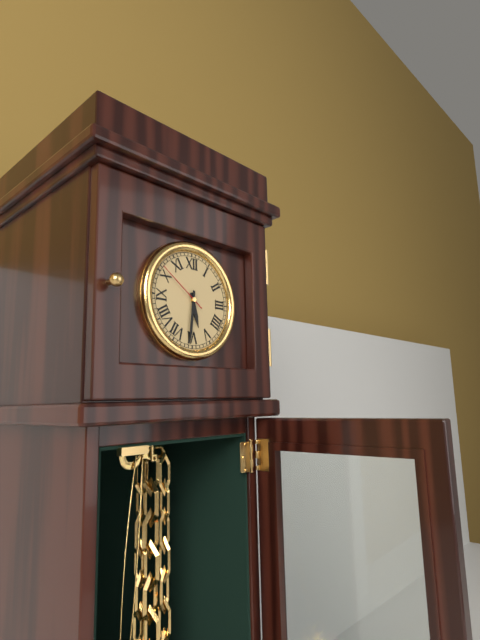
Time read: **5:31:51**
